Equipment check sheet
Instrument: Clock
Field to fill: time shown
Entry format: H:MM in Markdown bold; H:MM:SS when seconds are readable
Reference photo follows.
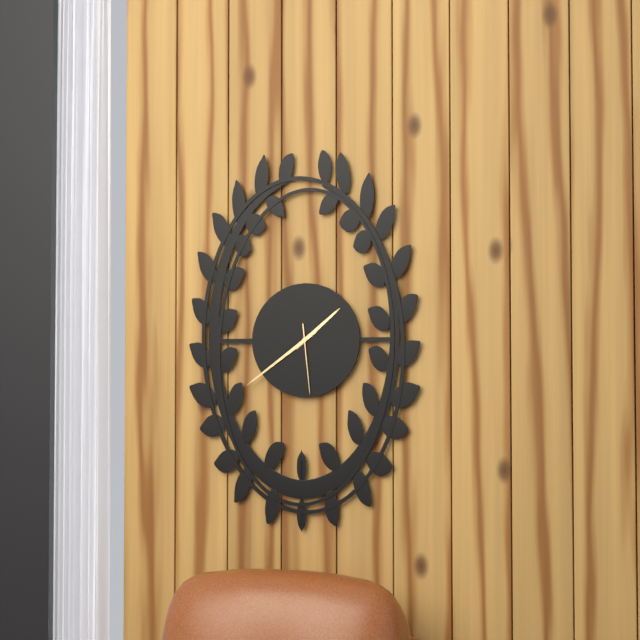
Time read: **1:39:29**
